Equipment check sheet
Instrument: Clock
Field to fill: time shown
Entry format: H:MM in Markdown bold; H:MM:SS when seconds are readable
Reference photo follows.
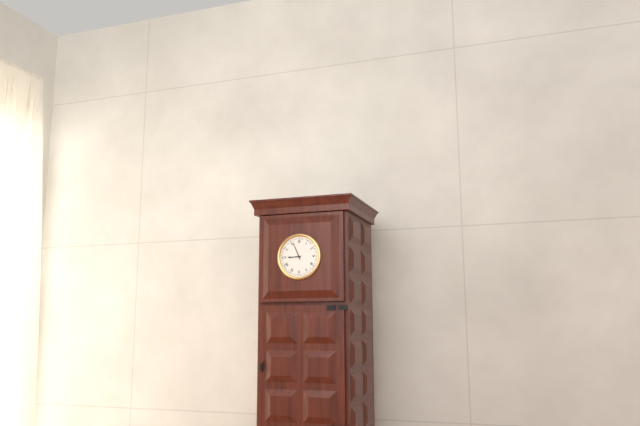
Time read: **8:56**
